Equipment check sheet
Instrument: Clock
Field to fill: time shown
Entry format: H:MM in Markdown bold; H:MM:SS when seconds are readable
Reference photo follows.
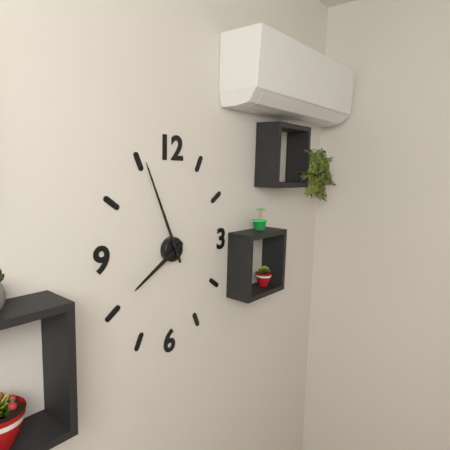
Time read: **7:56**
